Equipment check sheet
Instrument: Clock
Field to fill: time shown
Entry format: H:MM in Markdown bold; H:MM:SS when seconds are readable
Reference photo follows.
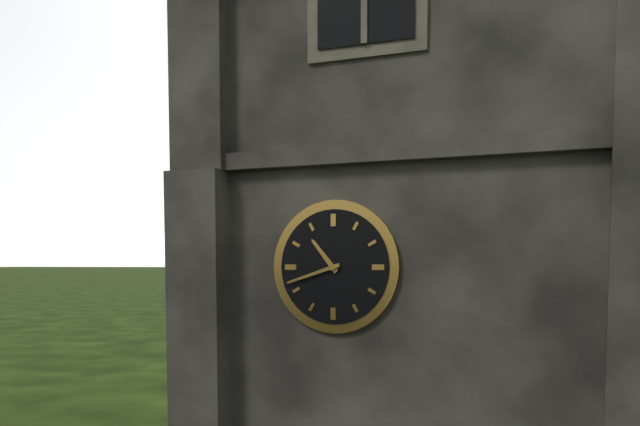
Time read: **10:42**
